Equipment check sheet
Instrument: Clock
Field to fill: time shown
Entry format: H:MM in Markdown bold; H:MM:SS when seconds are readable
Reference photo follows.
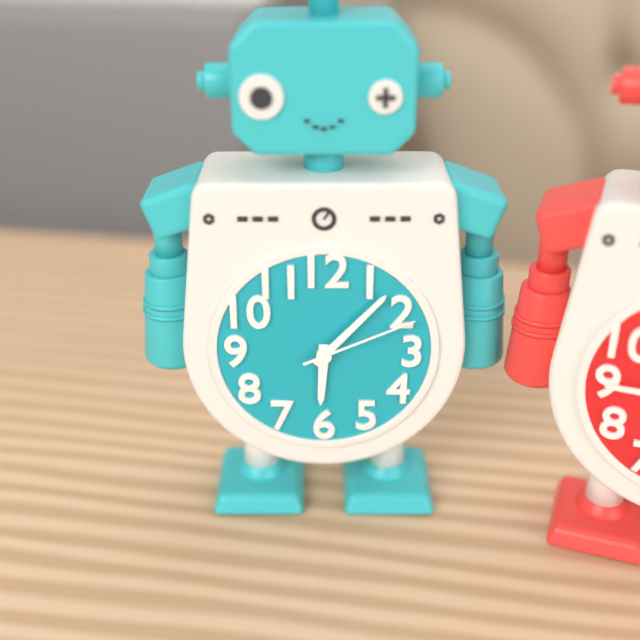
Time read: **6:07:11**
